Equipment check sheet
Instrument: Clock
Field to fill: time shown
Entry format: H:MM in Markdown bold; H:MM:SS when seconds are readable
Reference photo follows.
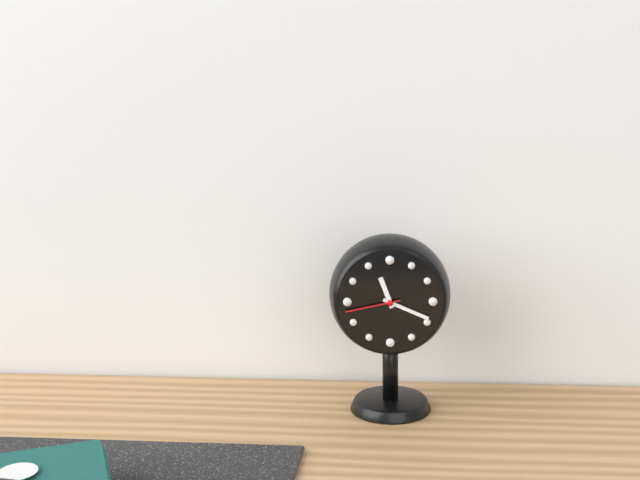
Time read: **11:19:43**
